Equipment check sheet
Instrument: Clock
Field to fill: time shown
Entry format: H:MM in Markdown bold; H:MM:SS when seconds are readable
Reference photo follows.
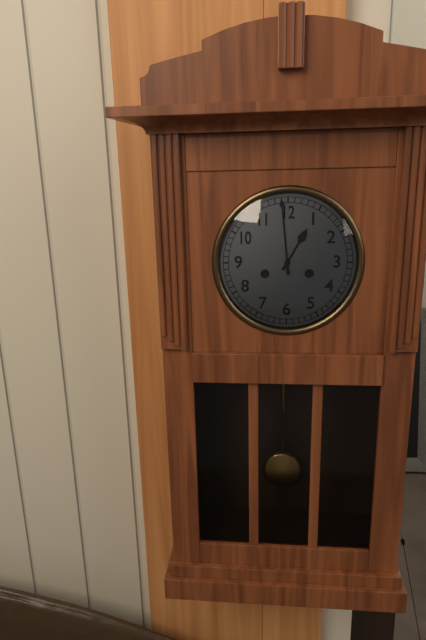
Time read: **12:59**
